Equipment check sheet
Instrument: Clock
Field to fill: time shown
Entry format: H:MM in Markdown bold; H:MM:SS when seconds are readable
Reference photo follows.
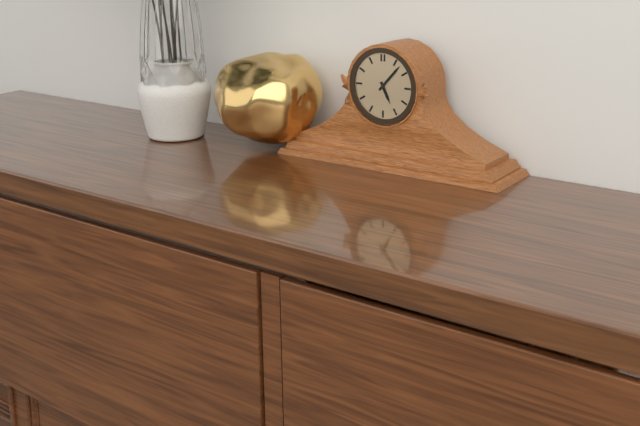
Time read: **5:07**
